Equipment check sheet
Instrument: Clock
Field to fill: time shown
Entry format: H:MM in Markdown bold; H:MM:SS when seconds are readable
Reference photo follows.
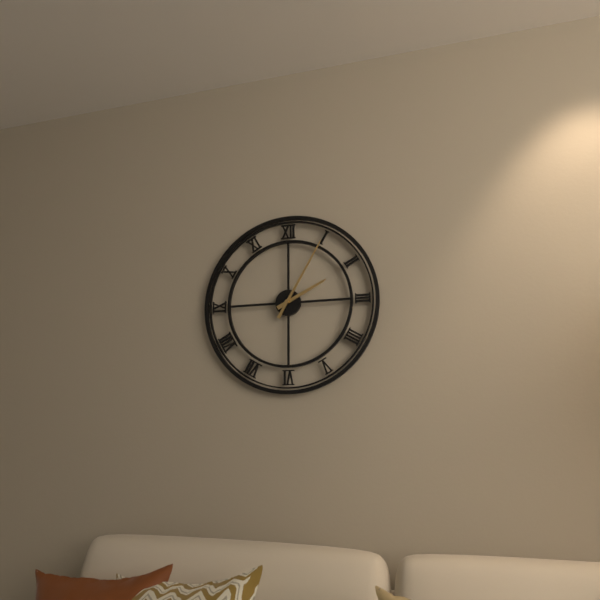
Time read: **2:05**
